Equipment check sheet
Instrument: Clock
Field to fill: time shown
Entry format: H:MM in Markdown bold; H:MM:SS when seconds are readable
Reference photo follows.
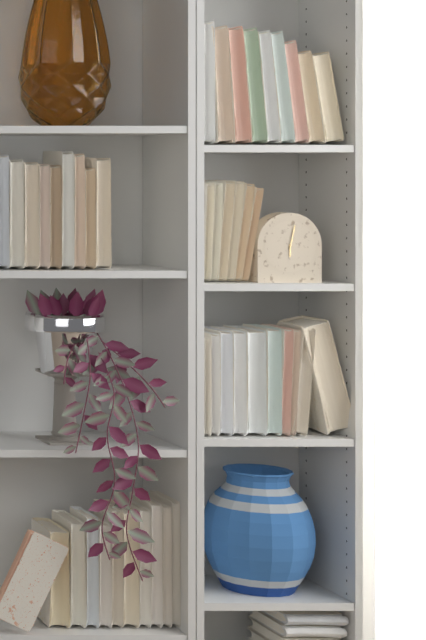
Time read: **6:02**
